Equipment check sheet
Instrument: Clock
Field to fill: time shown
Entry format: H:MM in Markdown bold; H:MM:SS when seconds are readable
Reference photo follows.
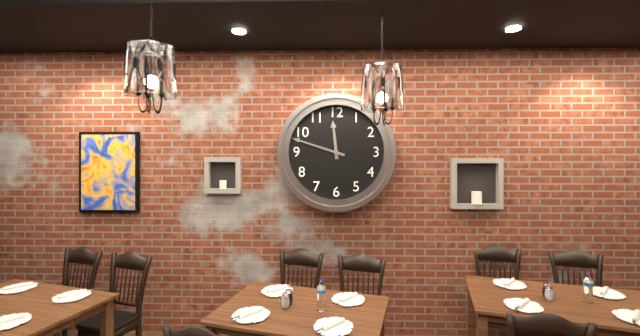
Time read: **11:48**
